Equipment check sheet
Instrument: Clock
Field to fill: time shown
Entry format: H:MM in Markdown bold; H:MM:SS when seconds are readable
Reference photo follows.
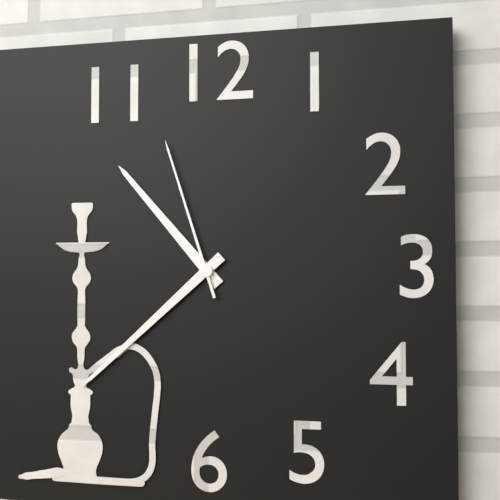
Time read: **10:38:57**
